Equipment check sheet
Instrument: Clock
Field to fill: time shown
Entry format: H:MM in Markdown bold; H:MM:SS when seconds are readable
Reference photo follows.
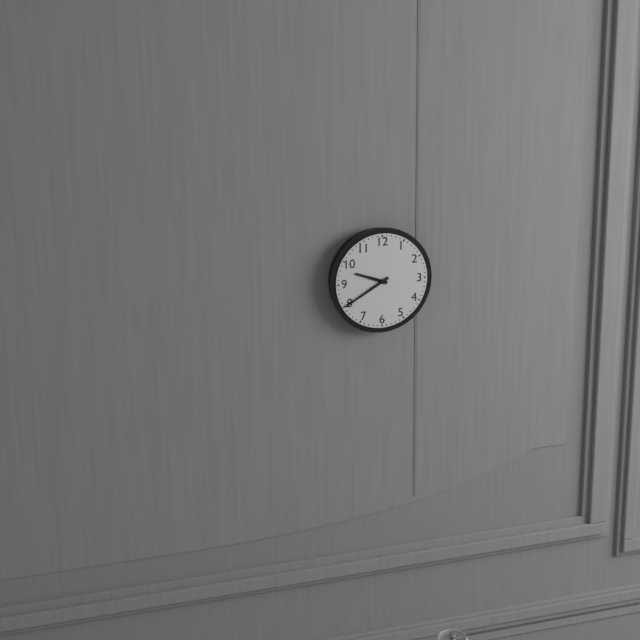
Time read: **9:40**
